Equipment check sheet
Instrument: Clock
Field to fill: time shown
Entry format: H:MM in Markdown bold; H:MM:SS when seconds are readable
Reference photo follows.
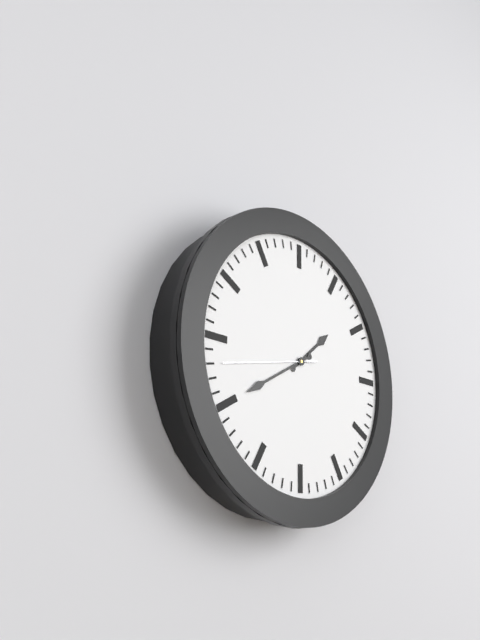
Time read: **1:40:43**
